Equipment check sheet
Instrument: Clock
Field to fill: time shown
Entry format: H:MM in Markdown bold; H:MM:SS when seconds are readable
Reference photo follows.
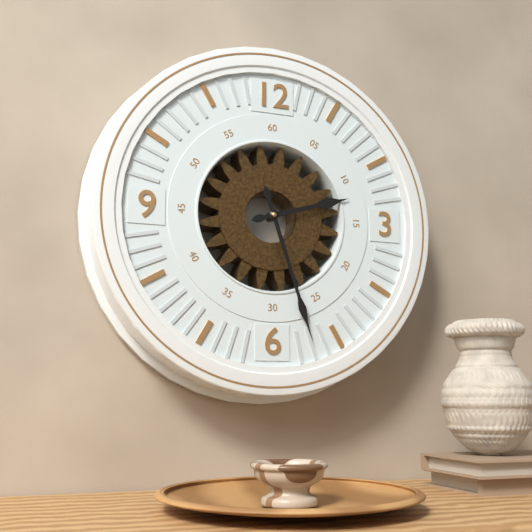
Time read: **2:27**
